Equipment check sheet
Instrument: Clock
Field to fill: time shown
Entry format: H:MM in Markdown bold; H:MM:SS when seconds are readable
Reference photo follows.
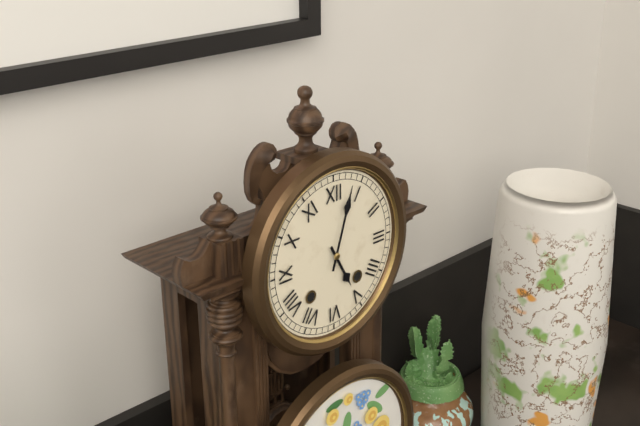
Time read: **5:03**
